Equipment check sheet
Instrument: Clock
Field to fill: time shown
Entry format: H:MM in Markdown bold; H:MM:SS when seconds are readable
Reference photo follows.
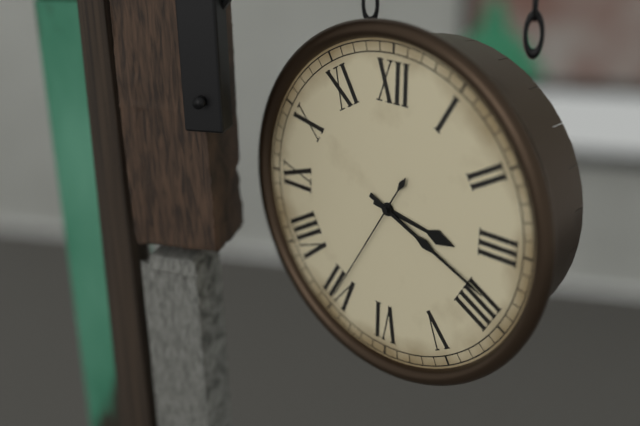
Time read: **3:19:35**
